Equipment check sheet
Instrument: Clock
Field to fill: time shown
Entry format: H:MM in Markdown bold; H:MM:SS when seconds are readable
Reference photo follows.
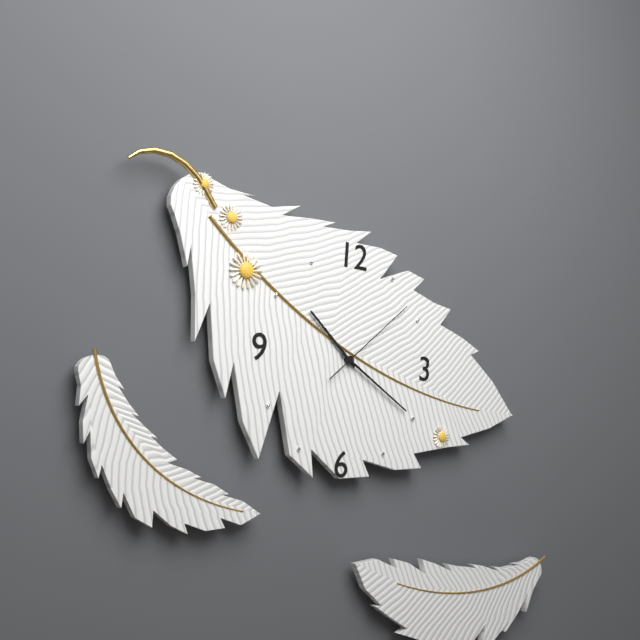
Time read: **10:20:08**
